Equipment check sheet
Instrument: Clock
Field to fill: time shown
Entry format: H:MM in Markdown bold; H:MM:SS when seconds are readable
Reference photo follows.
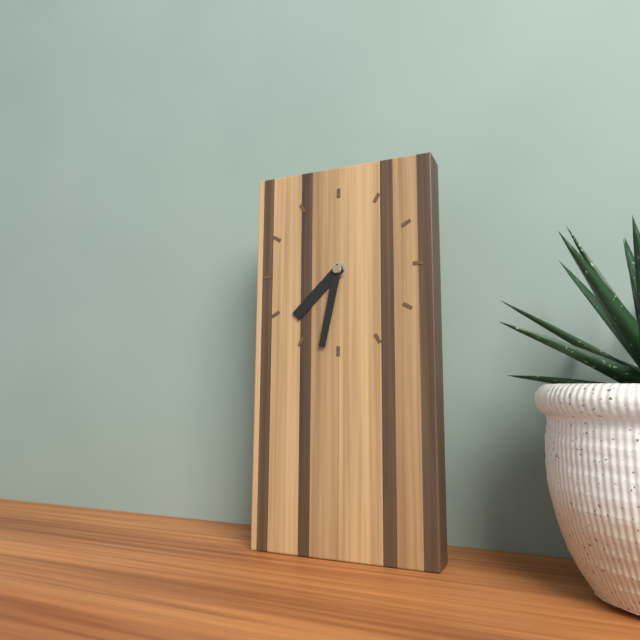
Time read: **7:32**
